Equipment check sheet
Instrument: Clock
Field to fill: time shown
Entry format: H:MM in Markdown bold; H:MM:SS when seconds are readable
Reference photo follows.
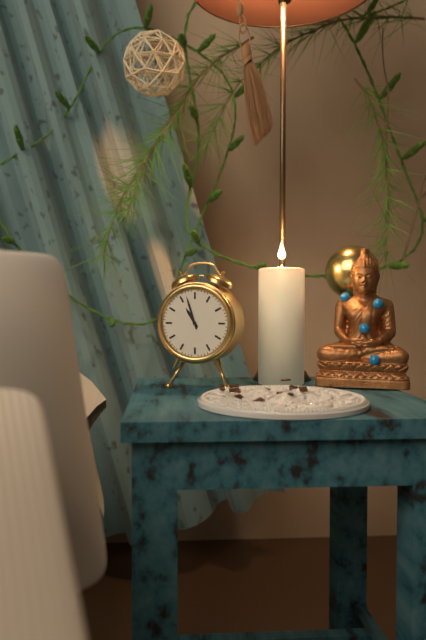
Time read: **10:57**
